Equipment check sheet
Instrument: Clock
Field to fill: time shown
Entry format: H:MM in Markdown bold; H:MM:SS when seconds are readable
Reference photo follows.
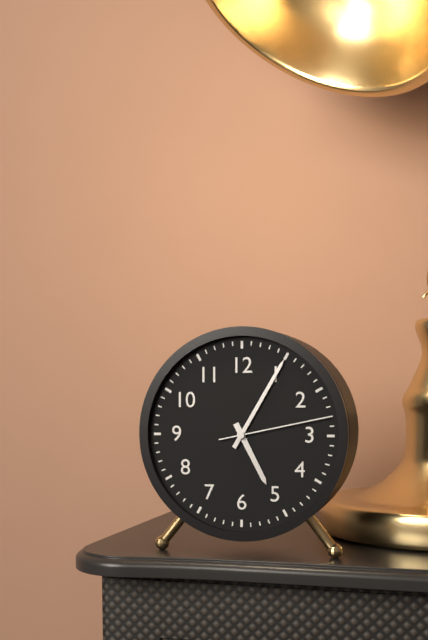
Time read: **5:05:13**
